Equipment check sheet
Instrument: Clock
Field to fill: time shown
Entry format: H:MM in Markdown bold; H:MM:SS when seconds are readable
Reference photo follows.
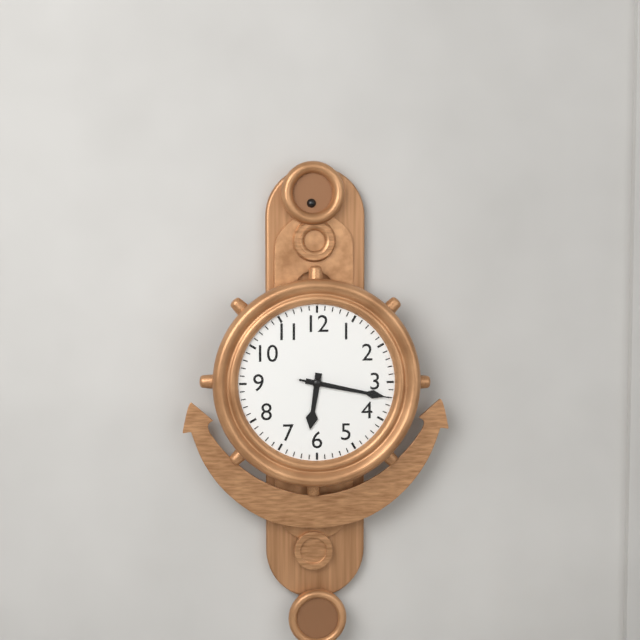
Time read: **6:17:17**
